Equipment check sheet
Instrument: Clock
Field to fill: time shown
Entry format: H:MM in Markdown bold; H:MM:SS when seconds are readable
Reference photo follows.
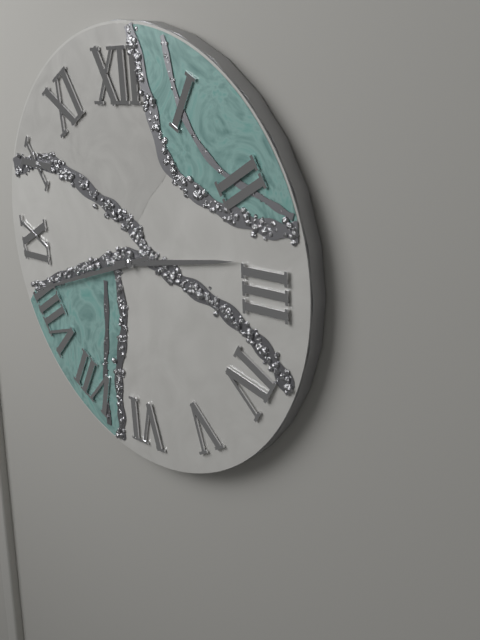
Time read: **2:42**
